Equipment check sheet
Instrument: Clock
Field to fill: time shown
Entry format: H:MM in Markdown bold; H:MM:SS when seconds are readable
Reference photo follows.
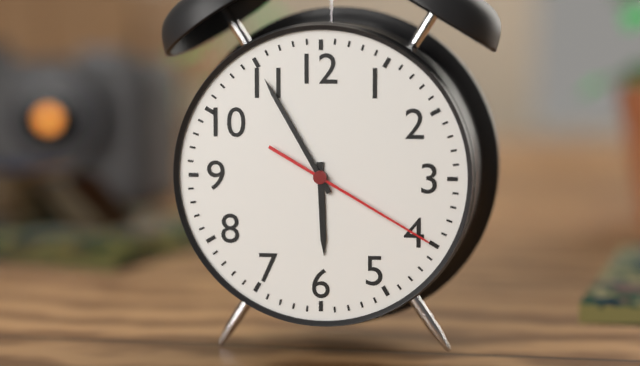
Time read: **5:55:20**
